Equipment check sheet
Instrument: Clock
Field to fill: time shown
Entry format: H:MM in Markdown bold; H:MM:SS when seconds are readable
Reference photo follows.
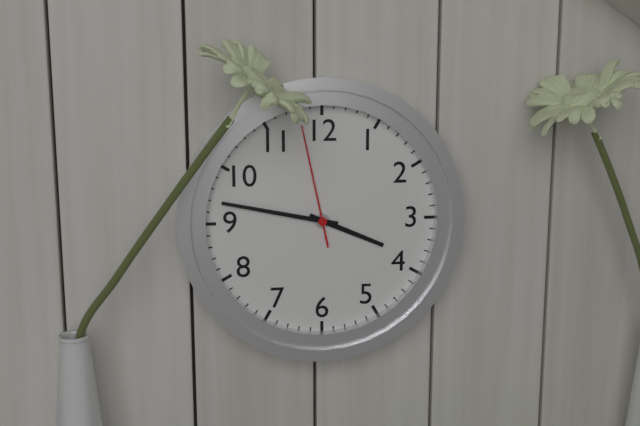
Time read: **3:47:58**
